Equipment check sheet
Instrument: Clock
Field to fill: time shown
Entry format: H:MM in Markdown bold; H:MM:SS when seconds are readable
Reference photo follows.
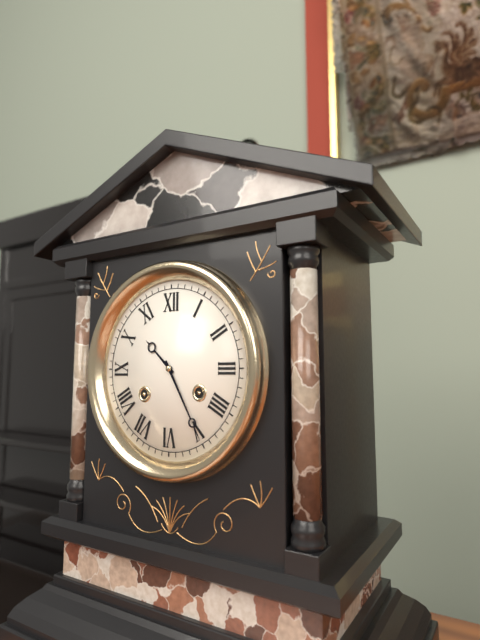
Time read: **10:25**
